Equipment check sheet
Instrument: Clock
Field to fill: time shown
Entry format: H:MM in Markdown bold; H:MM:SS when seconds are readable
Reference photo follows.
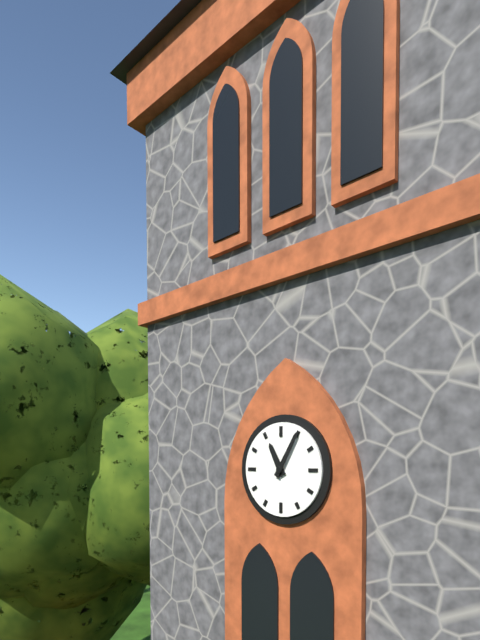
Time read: **11:05**
